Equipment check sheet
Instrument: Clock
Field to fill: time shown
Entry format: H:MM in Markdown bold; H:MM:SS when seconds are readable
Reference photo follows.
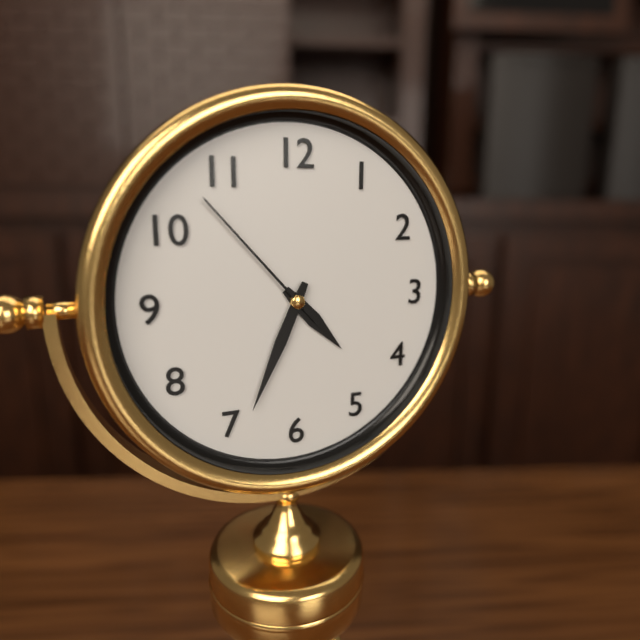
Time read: **4:34:53**
